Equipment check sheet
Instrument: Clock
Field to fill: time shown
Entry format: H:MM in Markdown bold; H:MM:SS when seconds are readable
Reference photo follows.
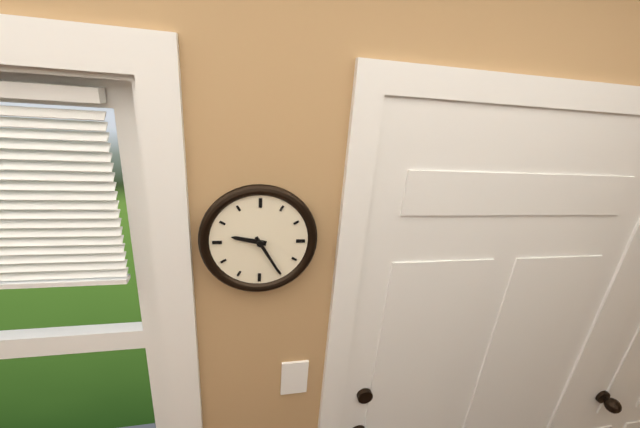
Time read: **9:25**
